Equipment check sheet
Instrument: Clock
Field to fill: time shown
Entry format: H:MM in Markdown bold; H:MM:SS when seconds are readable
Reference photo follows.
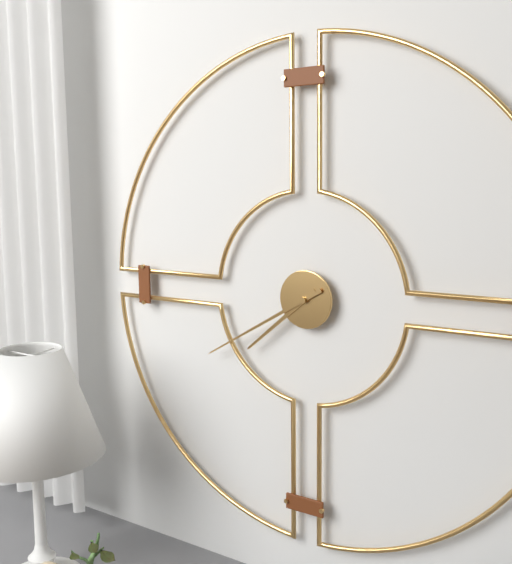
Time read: **7:40**
